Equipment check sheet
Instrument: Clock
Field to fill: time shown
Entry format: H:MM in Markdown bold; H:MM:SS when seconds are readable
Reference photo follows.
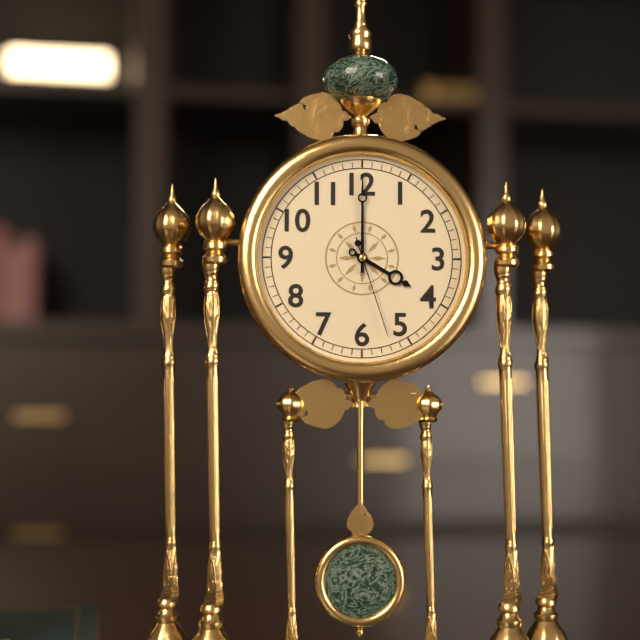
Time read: **4:00:27**
